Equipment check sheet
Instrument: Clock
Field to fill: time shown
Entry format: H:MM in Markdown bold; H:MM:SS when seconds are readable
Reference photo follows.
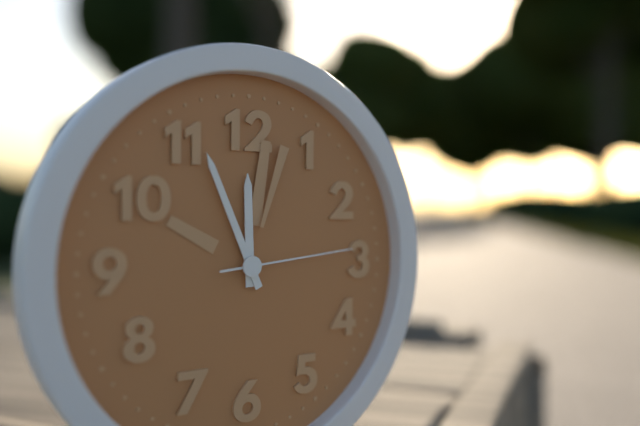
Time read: **11:56:14**
